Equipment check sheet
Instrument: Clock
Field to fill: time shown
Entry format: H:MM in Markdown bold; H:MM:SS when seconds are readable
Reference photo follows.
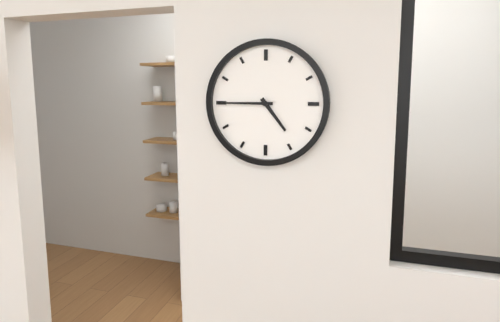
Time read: **4:45**
